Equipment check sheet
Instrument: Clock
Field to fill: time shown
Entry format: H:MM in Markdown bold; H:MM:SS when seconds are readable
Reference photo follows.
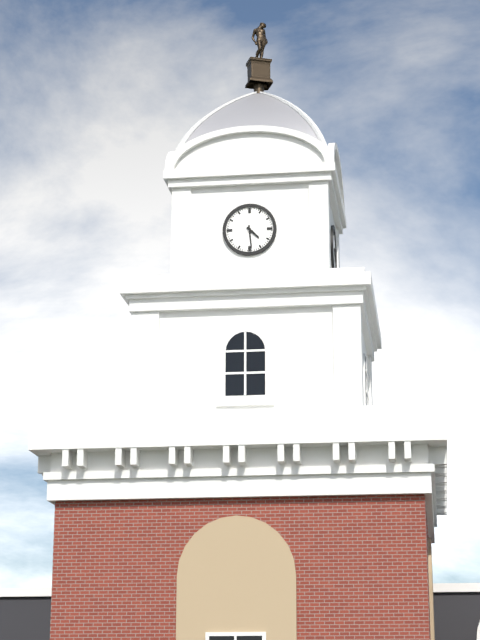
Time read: **4:29**
